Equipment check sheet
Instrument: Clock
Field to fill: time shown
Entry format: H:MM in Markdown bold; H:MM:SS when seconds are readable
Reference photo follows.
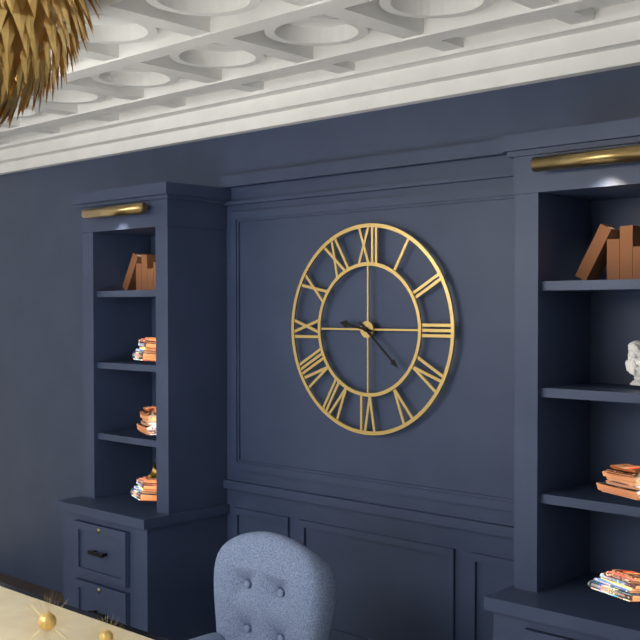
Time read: **9:22**
